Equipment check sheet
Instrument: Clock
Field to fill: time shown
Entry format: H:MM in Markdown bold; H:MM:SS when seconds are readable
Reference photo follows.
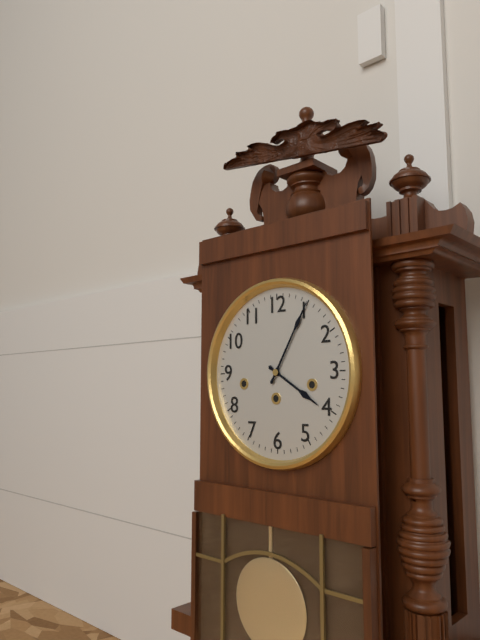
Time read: **4:05**
